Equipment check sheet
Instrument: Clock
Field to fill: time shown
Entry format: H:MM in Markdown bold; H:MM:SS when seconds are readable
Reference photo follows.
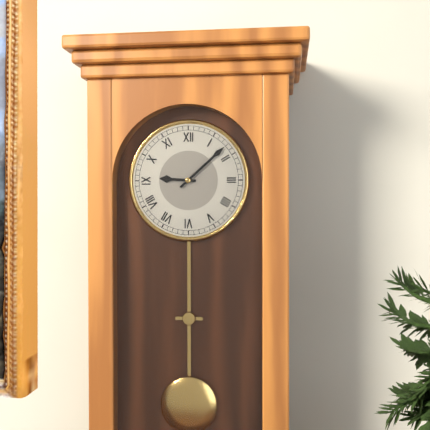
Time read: **9:08**
